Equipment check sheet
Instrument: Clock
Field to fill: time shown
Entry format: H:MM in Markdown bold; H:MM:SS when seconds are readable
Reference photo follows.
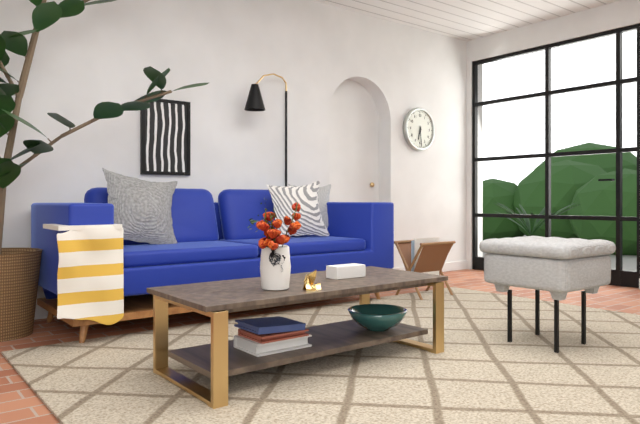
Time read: **6:29**
